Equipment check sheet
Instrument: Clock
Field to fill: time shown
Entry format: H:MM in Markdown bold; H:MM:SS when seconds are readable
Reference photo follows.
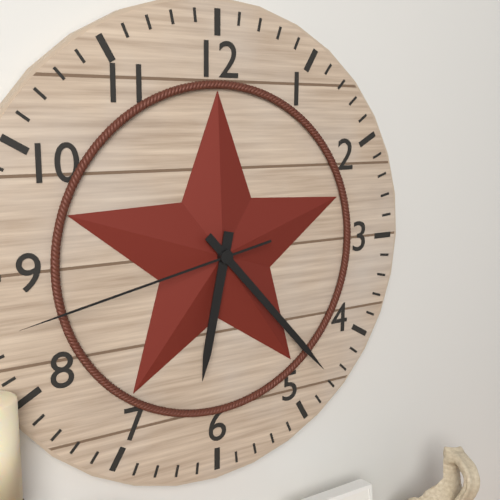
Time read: **6:23:43**
